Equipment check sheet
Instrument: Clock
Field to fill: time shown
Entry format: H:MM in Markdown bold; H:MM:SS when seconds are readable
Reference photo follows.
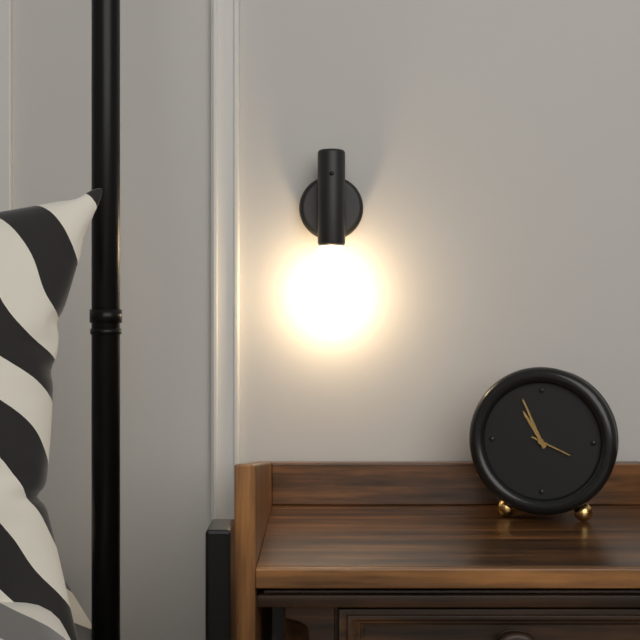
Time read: **10:56**
